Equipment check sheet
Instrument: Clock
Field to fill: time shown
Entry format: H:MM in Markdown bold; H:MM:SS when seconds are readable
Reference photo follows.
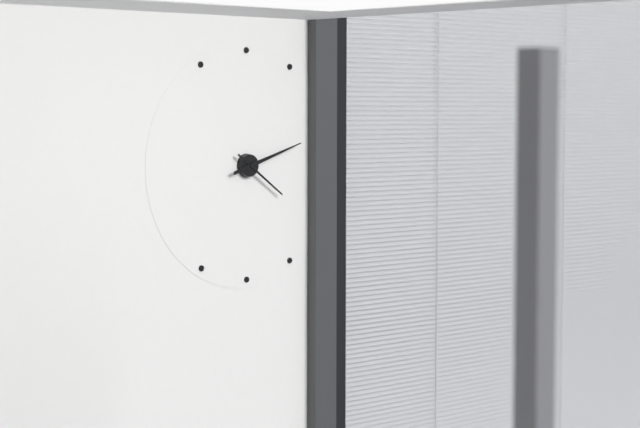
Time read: **4:12**
